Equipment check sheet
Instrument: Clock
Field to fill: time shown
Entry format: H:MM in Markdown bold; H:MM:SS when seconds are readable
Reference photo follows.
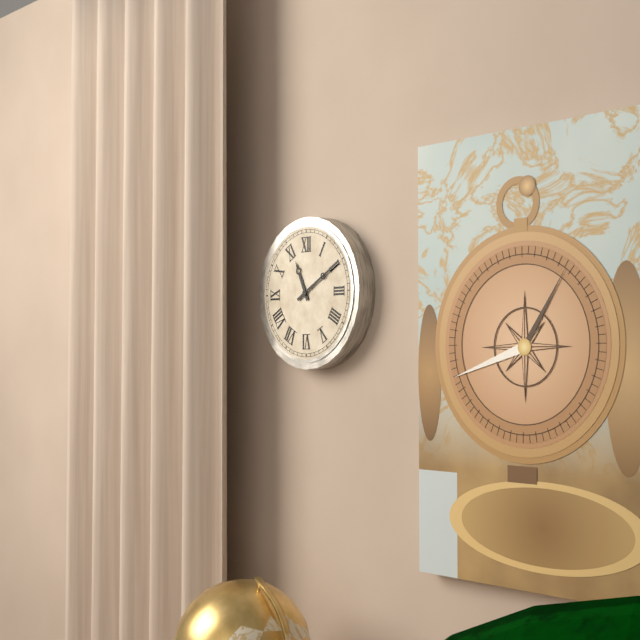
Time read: **11:10**
